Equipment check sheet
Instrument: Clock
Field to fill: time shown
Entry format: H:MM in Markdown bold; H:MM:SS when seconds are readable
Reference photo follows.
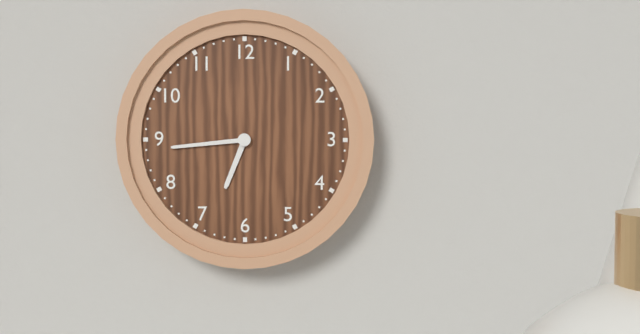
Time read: **6:44**
